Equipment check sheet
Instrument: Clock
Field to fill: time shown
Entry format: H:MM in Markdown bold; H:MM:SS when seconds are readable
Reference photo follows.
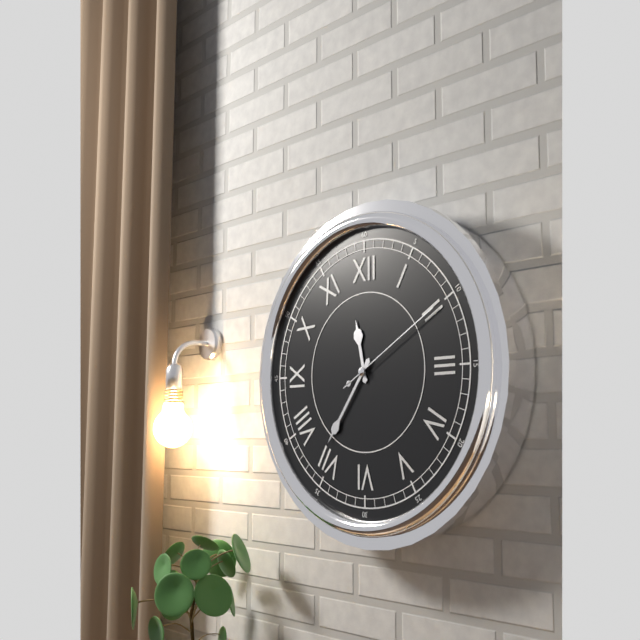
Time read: **11:36:10**
